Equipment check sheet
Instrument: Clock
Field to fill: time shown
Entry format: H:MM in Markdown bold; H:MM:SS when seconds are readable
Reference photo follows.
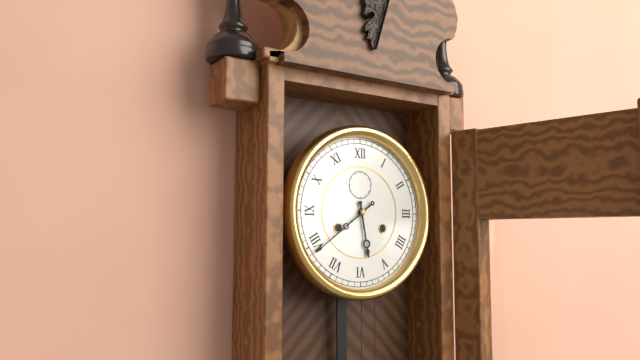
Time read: **5:39**
